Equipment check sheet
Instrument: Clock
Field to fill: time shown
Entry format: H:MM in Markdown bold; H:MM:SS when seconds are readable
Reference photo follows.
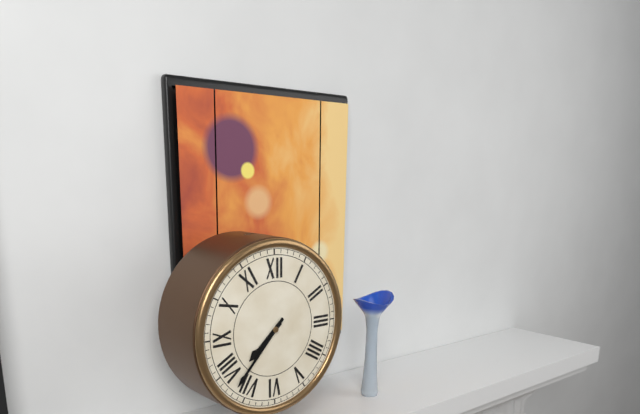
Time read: **7:37**
